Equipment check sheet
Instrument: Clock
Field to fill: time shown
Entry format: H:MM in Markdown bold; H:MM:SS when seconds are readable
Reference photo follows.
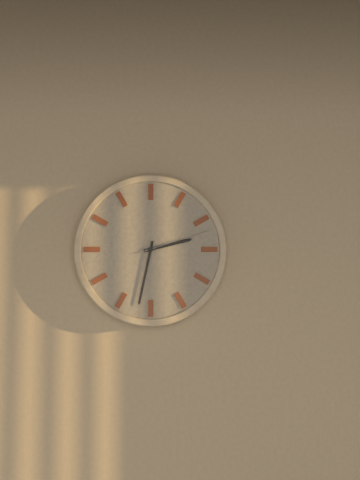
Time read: **2:32:12**
